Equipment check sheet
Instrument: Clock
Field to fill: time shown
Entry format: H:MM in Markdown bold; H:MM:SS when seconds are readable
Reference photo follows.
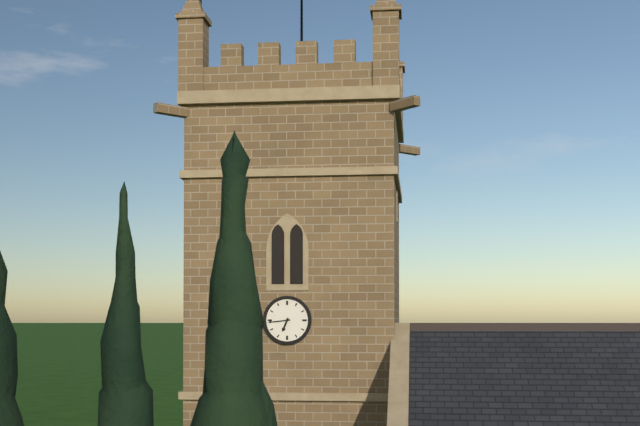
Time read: **6:44**
